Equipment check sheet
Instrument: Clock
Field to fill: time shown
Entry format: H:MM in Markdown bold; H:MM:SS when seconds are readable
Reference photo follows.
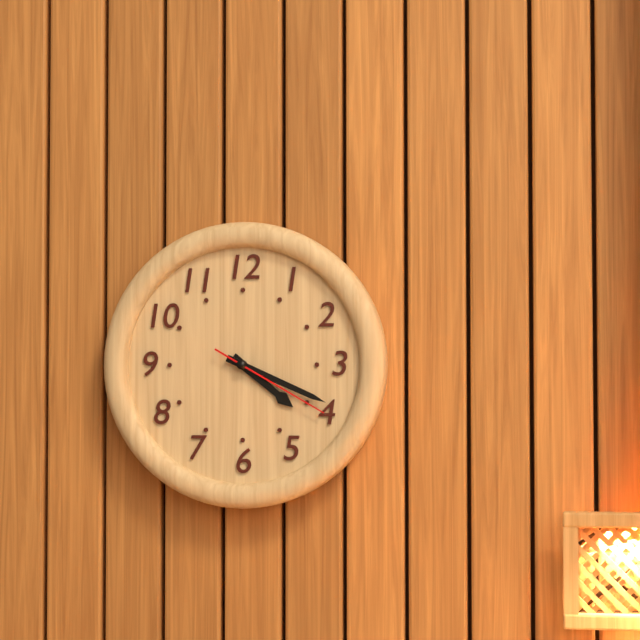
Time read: **4:19:20**
